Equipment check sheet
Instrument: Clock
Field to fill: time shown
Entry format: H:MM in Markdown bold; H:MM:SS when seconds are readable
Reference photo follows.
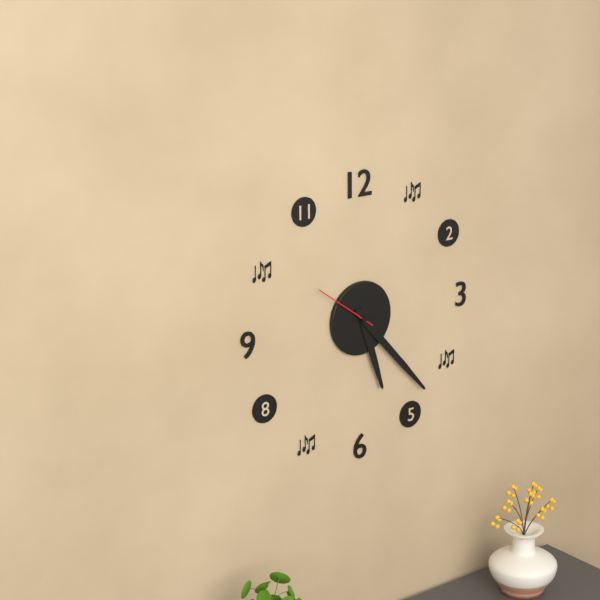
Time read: **5:23:51**
